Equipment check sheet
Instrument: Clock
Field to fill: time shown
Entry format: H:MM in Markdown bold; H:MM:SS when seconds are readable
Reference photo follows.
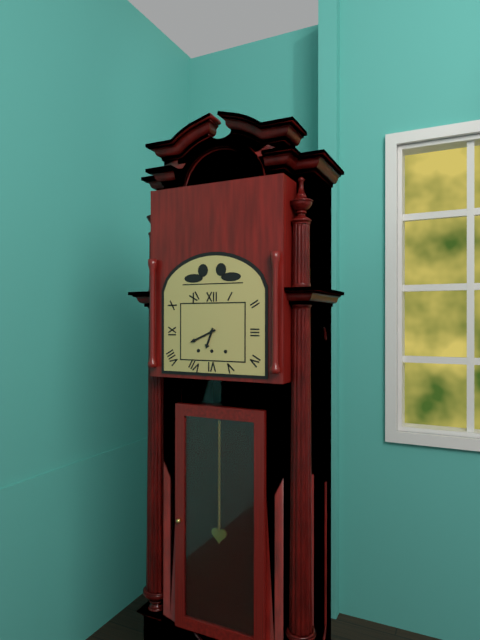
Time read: **6:41**
